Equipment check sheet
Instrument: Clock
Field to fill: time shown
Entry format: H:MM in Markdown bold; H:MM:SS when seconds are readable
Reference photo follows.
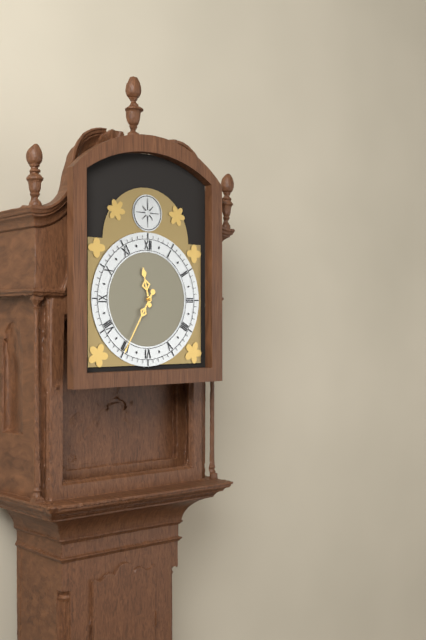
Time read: **11:35**
